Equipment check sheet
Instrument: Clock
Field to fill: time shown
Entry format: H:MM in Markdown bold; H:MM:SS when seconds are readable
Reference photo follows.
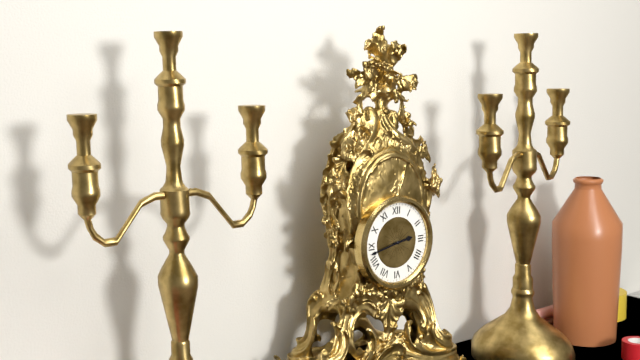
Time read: **2:43**
